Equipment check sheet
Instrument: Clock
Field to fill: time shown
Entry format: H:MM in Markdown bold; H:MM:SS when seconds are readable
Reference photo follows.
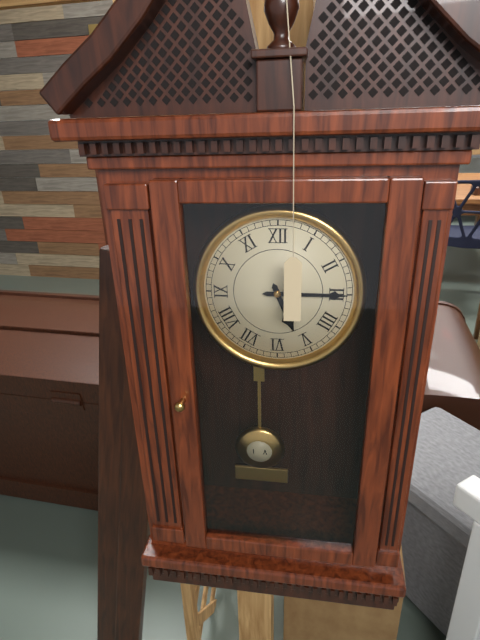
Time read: **5:15**
